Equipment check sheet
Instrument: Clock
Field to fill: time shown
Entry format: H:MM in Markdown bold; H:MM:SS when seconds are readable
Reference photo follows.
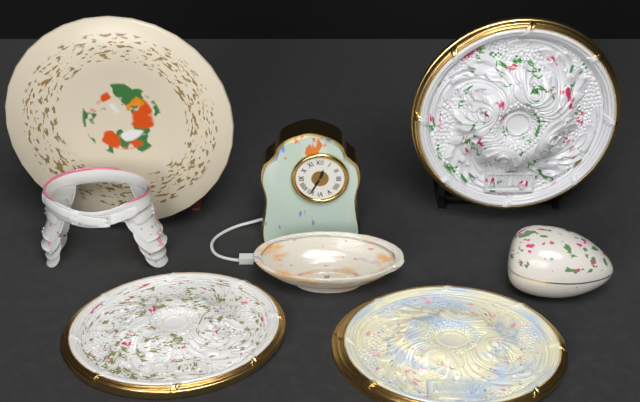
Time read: **12:35**
